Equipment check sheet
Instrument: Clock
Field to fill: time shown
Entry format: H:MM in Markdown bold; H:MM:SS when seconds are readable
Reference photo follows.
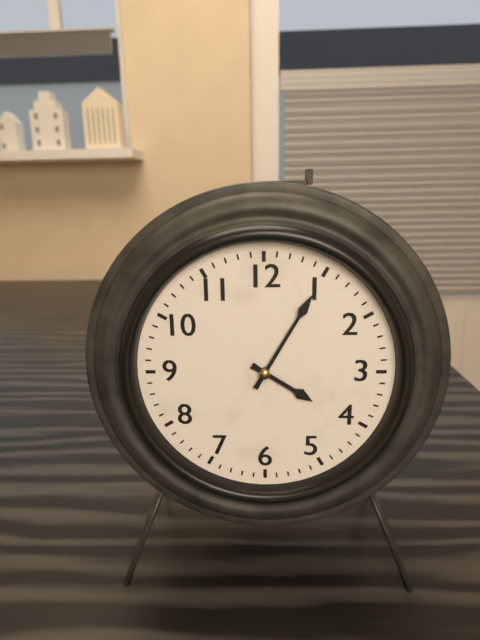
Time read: **4:05**
